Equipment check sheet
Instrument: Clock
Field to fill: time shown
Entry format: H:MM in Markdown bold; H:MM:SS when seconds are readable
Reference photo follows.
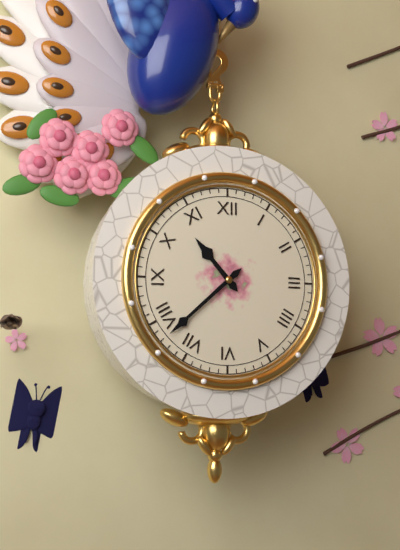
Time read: **10:38**
